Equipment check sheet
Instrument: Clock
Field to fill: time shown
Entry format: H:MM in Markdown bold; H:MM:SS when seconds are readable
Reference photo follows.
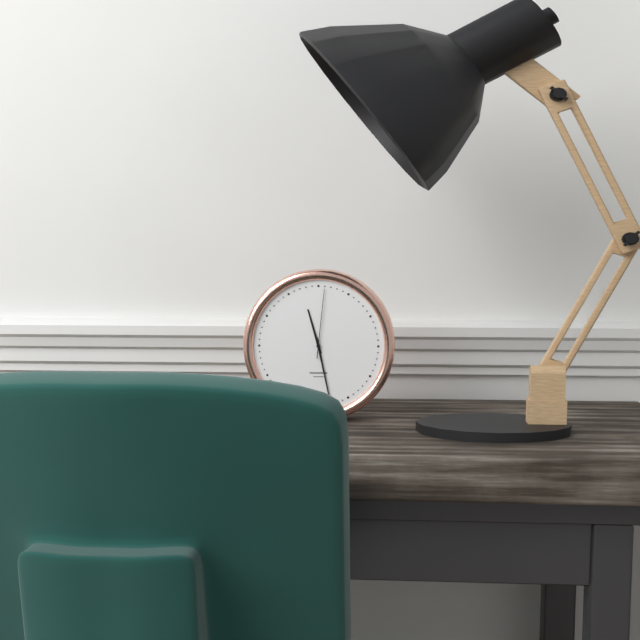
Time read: **11:28:01**
